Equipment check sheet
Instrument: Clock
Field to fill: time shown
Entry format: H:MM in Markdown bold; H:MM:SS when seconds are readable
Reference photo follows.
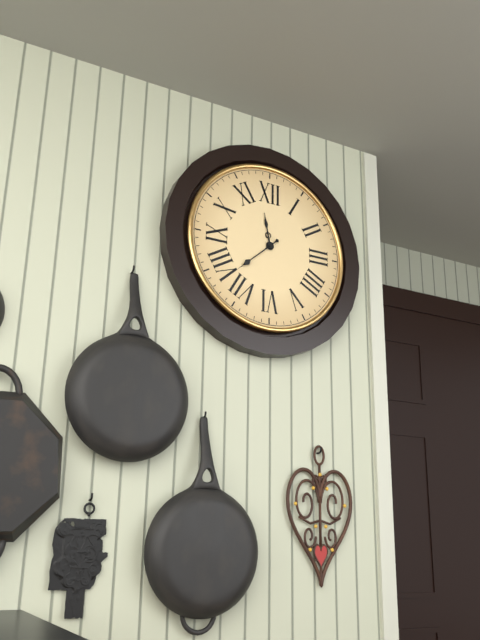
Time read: **11:38**
